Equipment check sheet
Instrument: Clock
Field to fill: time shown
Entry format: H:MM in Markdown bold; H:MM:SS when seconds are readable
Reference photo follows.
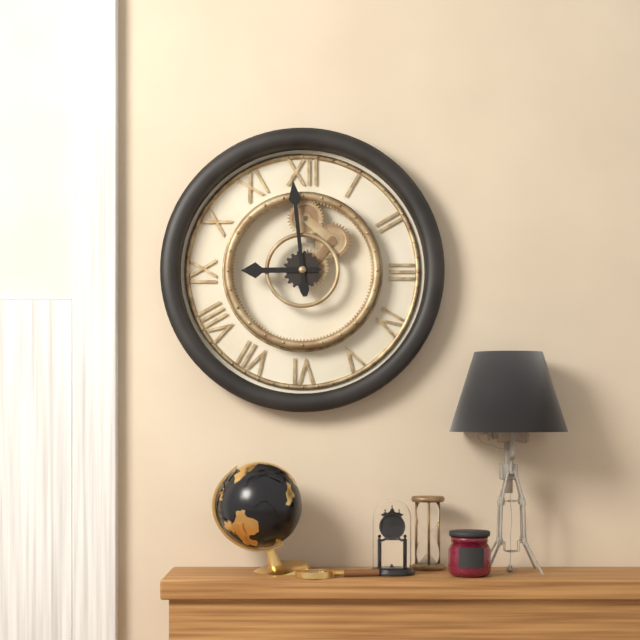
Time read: **8:59**
